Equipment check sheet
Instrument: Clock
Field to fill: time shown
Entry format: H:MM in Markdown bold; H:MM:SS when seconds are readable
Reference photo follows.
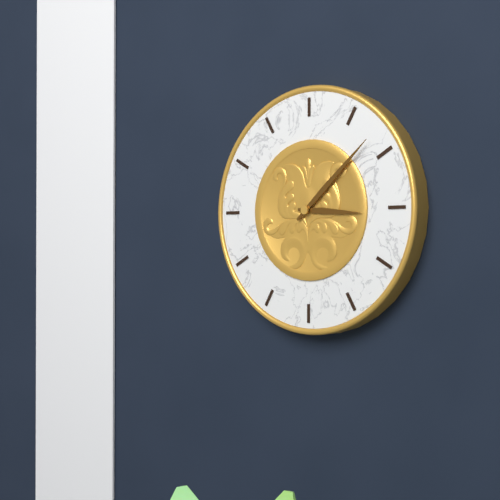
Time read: **3:08**
